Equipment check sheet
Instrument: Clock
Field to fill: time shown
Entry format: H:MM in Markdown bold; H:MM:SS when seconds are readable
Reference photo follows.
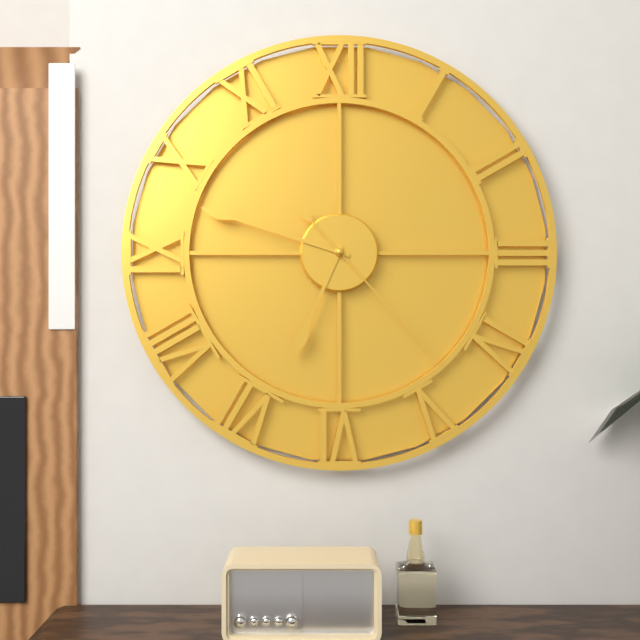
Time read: **6:48:23**
